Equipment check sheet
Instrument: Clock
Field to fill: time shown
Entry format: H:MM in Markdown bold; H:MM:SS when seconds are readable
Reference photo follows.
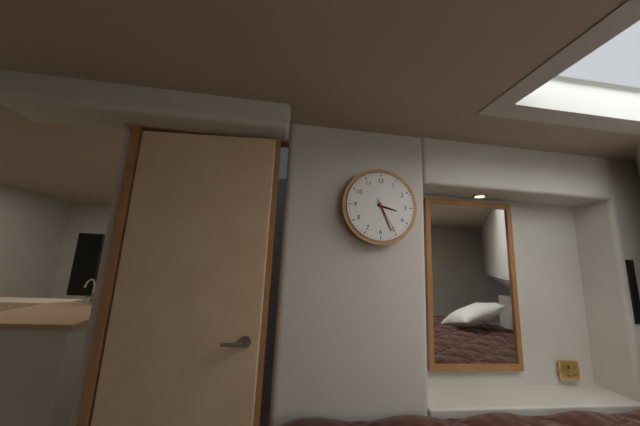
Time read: **3:26**
